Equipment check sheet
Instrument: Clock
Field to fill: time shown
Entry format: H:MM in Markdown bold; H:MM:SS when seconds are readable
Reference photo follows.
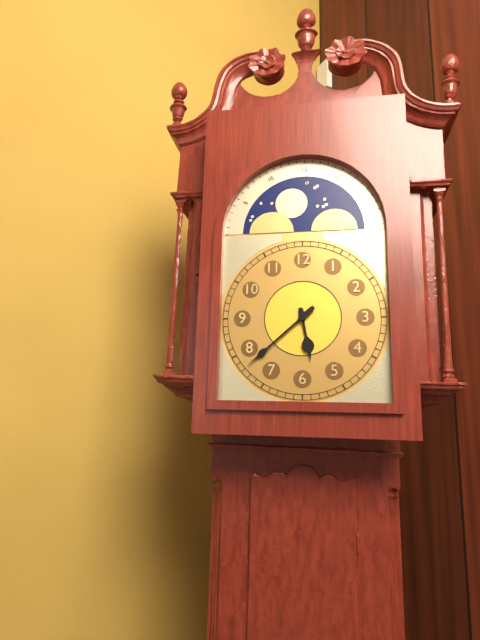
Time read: **5:38**
